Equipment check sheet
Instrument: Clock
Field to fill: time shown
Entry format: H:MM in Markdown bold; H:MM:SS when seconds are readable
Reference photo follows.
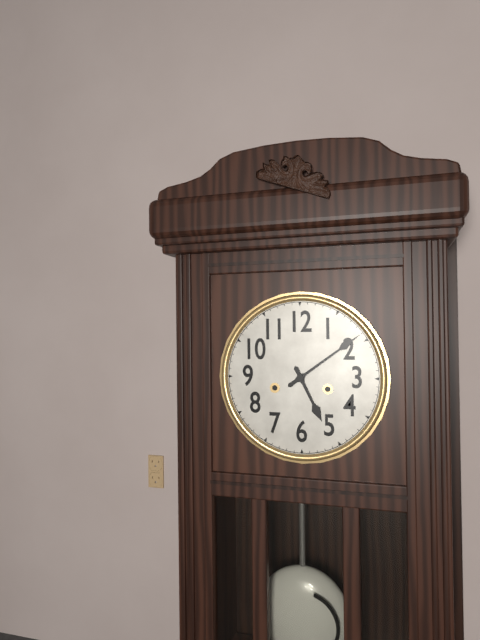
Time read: **5:09**
